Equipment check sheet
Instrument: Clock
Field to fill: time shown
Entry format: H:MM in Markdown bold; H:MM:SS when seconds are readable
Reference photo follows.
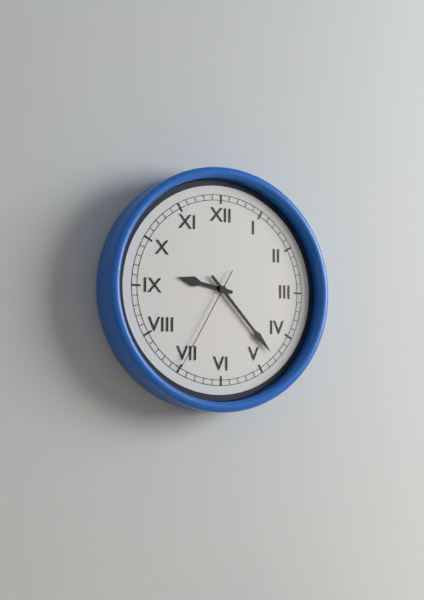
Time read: **9:23:35**
